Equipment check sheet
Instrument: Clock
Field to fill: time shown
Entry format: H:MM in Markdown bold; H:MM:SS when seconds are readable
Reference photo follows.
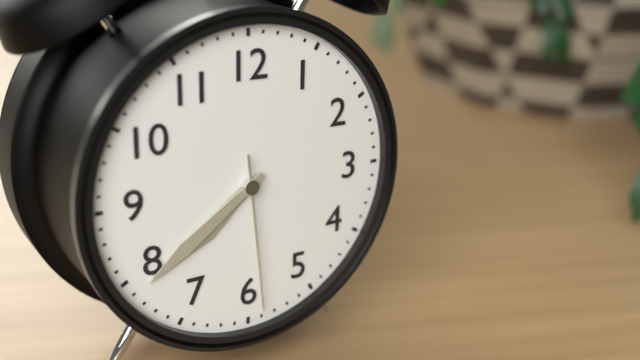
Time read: **7:39:29**
